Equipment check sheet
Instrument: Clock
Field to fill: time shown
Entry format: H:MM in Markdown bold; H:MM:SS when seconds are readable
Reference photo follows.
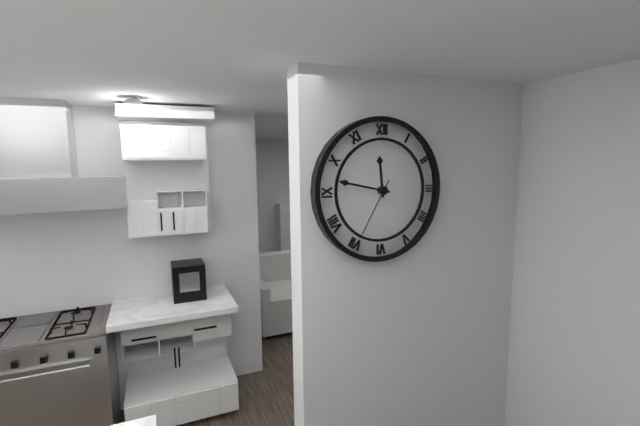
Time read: **11:47:35**
